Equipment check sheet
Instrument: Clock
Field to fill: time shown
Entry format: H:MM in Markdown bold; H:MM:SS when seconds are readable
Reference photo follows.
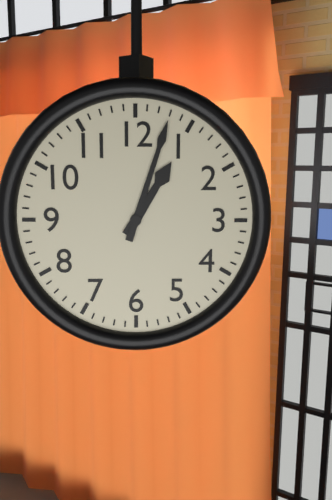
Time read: **1:03**
